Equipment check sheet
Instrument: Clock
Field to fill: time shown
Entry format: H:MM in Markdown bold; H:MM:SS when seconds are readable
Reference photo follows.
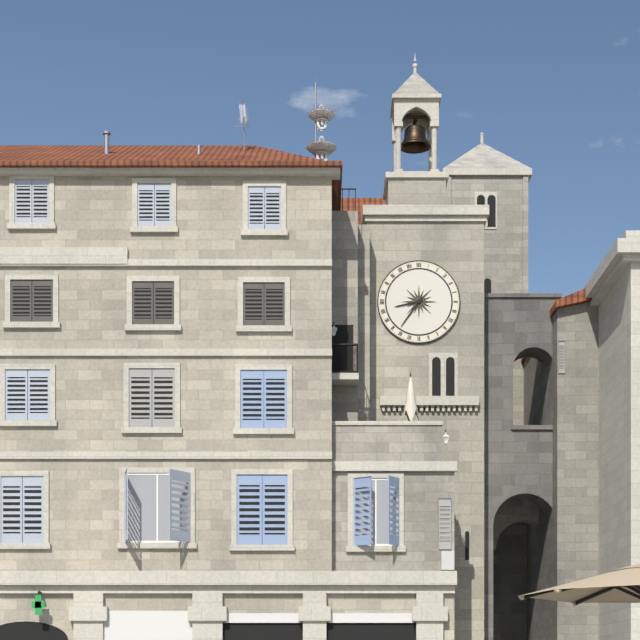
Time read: **8:36**
